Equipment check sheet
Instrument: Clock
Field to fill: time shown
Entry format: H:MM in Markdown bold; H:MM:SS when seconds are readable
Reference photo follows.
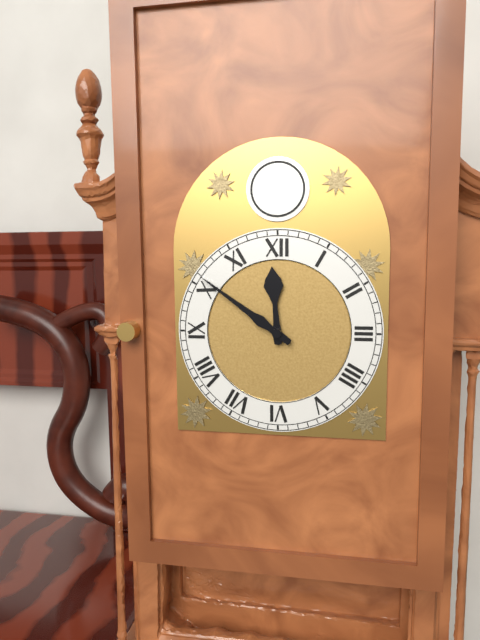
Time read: **11:51**
